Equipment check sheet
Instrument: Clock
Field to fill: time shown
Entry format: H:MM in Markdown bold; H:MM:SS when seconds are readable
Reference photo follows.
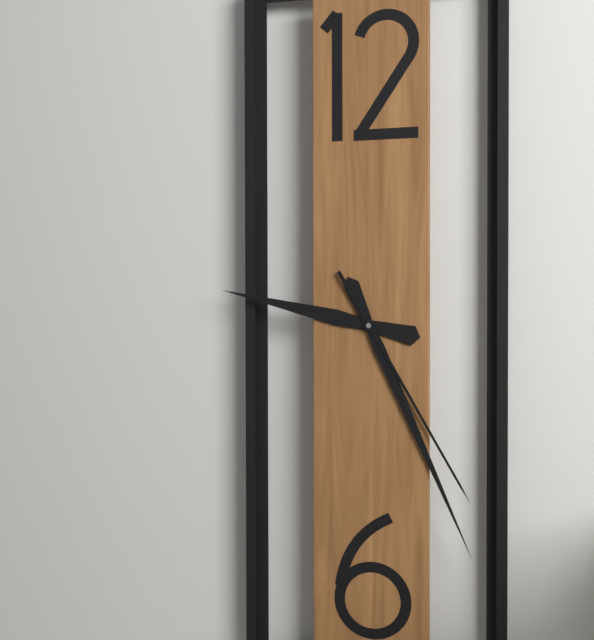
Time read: **9:26:25**
